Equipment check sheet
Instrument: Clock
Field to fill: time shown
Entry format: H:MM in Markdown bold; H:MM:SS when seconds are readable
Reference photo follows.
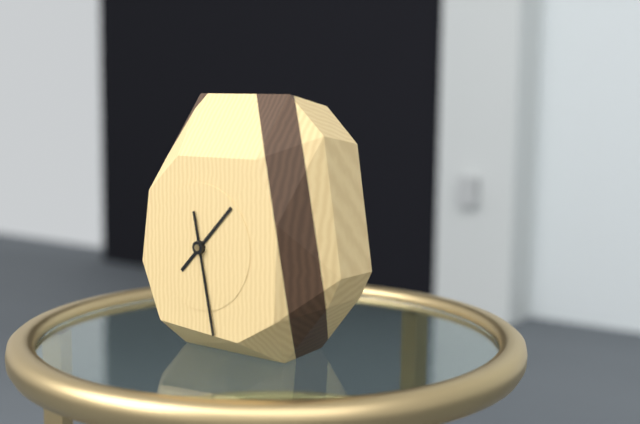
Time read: **1:28**
